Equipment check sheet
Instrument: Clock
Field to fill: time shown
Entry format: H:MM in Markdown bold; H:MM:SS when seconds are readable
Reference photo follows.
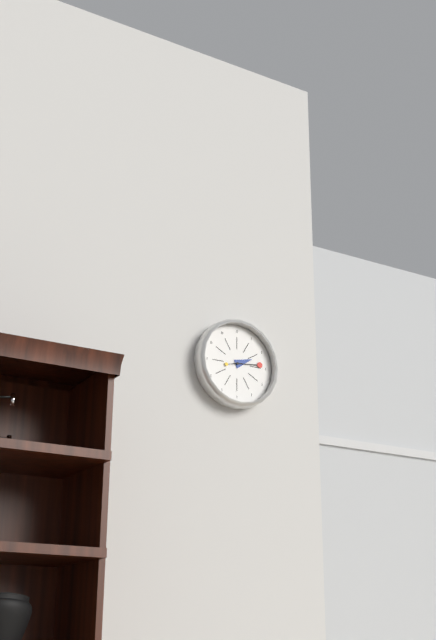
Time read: **2:14**
